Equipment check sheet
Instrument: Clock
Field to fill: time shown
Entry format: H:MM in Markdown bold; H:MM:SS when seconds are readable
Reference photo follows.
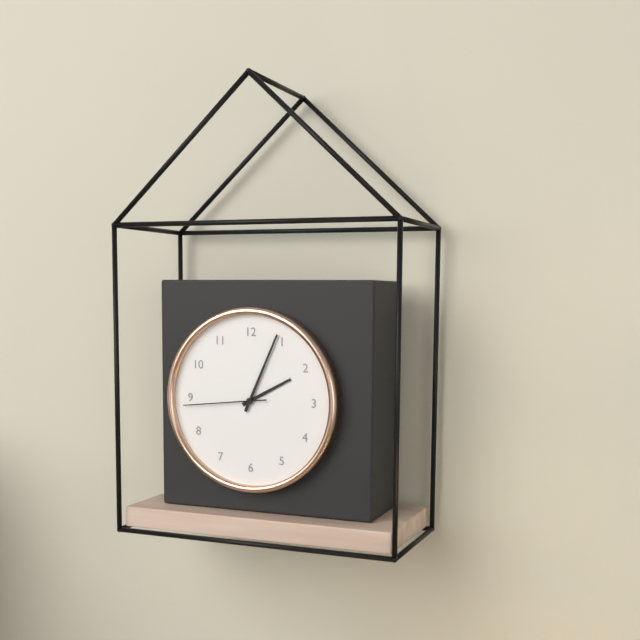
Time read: **2:04:44**
